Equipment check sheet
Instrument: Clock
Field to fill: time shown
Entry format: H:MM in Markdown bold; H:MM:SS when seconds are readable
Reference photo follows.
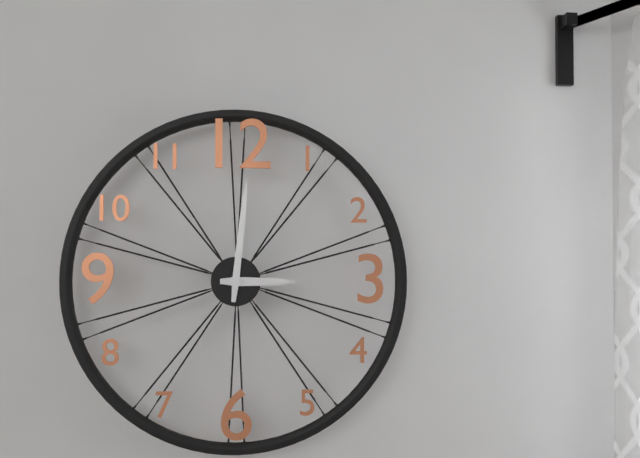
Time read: **3:01**
